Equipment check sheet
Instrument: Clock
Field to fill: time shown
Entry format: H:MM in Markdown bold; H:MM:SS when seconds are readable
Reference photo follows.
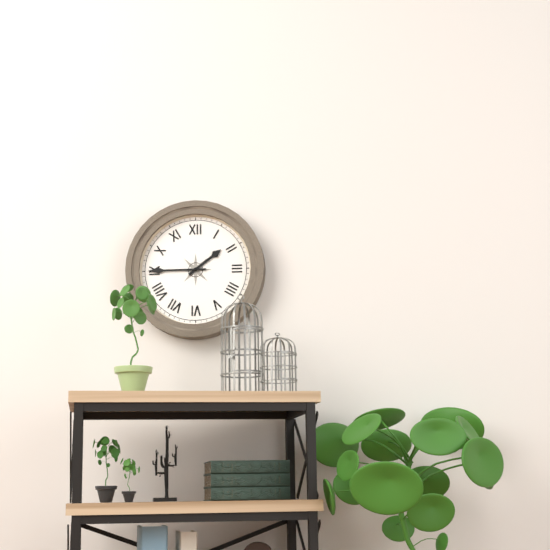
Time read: **1:45**
